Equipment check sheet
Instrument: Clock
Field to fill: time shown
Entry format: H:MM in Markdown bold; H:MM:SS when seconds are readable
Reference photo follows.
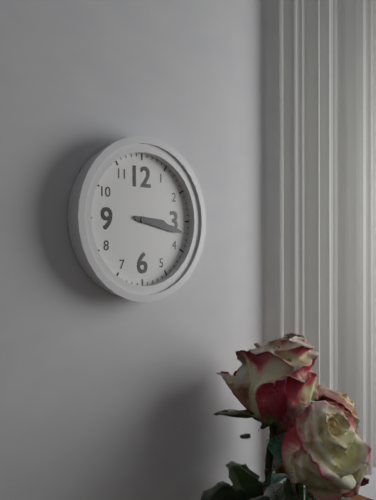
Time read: **3:17**
